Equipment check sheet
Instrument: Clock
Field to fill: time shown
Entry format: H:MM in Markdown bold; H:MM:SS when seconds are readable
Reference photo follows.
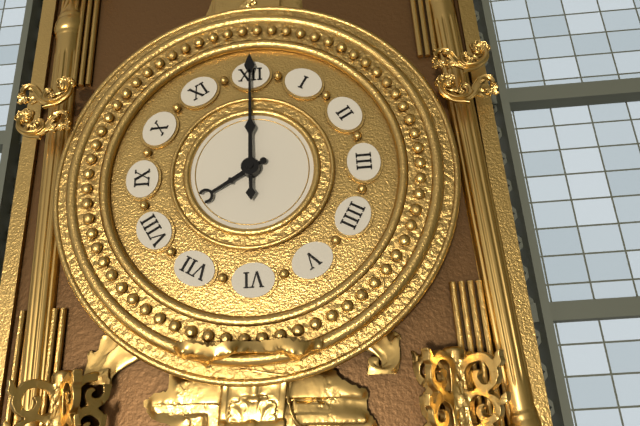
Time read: **8:00**
